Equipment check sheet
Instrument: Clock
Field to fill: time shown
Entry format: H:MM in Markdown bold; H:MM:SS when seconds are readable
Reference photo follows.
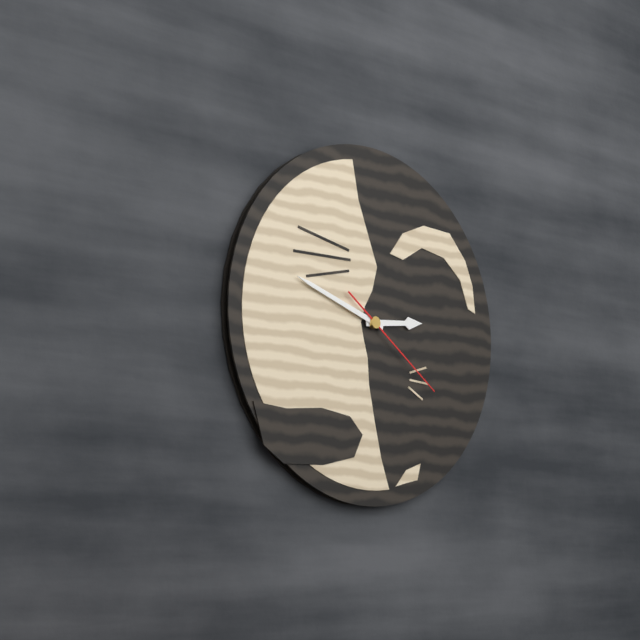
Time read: **2:48:21**
